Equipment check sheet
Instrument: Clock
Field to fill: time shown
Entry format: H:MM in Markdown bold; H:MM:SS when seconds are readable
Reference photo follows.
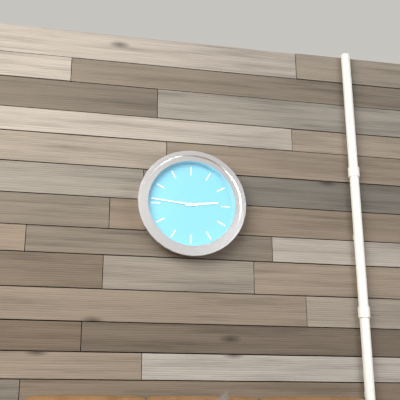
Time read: **2:46**
